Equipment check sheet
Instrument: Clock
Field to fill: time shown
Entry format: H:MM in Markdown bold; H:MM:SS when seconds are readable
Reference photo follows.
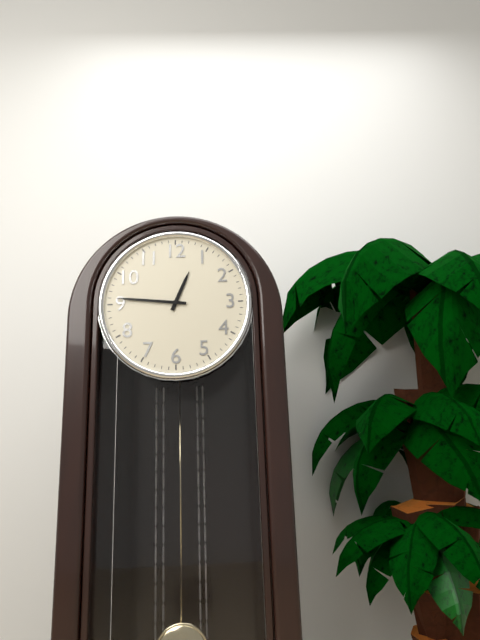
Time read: **12:46**
